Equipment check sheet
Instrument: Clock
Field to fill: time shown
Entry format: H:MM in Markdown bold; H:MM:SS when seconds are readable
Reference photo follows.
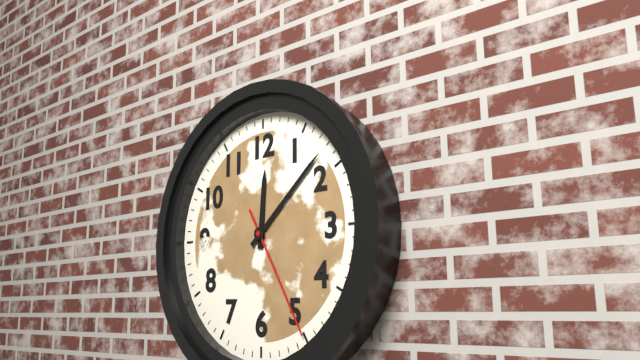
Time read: **12:08:25**
